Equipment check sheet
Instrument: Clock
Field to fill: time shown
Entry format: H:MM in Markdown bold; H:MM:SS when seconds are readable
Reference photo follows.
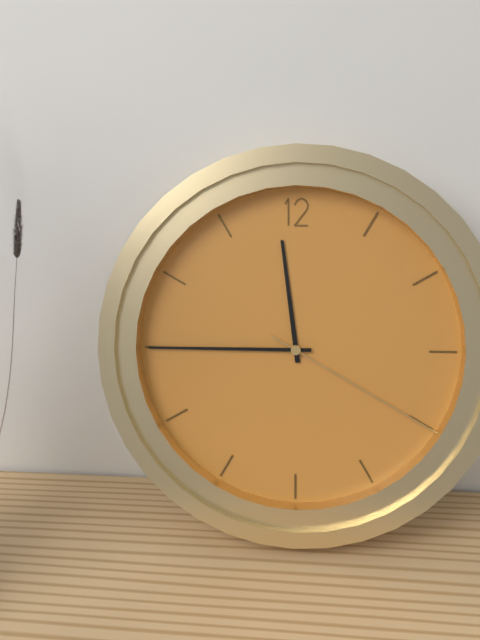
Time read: **11:45:20**
